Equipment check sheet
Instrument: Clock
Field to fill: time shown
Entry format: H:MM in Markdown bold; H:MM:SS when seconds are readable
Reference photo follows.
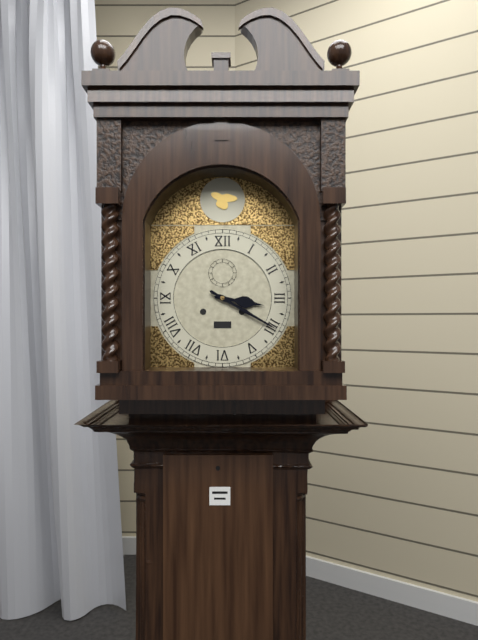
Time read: **3:20**
